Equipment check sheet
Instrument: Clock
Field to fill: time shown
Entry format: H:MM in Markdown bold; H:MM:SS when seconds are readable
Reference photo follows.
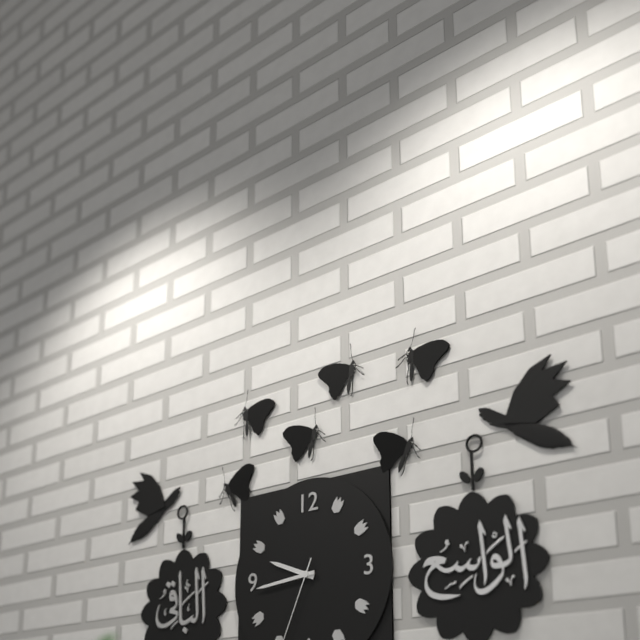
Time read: **9:44**
